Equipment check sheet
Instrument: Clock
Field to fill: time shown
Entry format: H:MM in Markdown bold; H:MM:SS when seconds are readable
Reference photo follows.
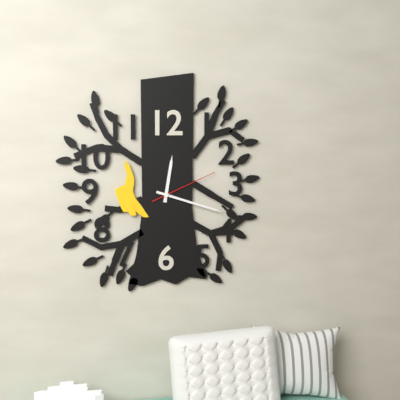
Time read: **12:18:11**
